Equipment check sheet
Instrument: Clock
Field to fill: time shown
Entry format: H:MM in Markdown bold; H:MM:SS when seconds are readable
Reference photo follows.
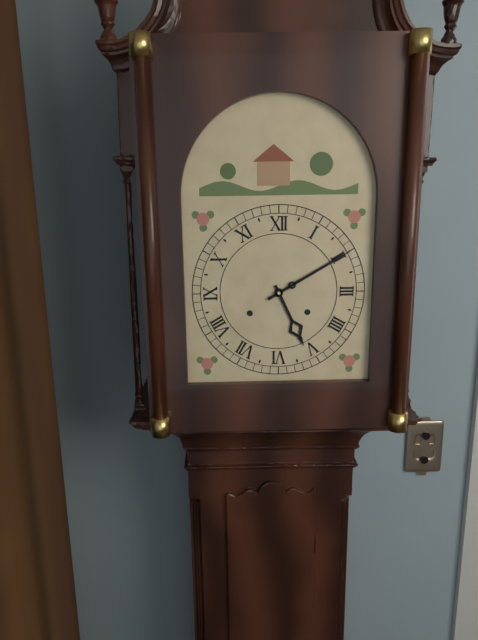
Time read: **5:10**
